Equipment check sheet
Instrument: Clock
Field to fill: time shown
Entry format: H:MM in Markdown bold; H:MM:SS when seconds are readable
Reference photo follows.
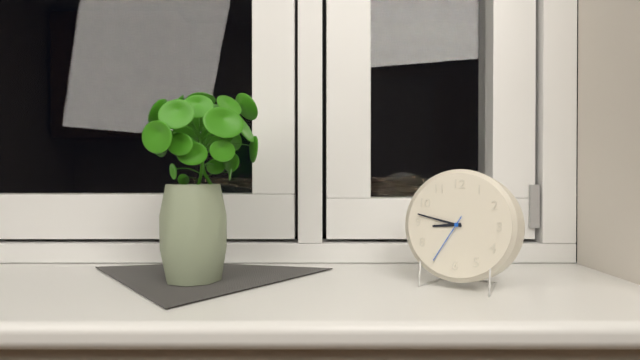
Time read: **8:47:35**
